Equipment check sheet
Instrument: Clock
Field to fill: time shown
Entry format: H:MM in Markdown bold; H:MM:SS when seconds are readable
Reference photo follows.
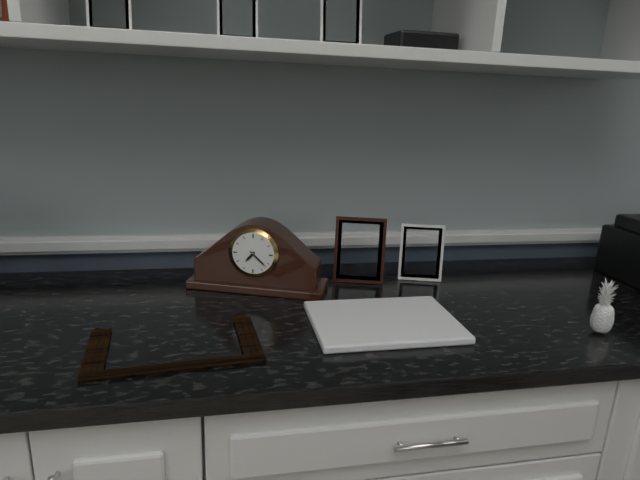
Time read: **7:22**
